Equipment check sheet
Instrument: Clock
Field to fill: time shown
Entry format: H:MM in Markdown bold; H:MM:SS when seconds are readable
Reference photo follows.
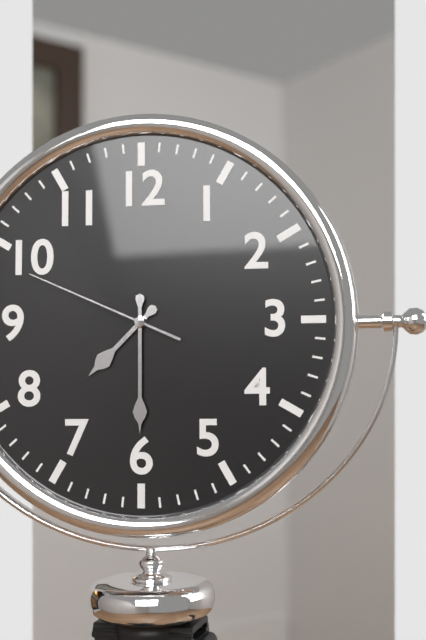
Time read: **7:30:49**
